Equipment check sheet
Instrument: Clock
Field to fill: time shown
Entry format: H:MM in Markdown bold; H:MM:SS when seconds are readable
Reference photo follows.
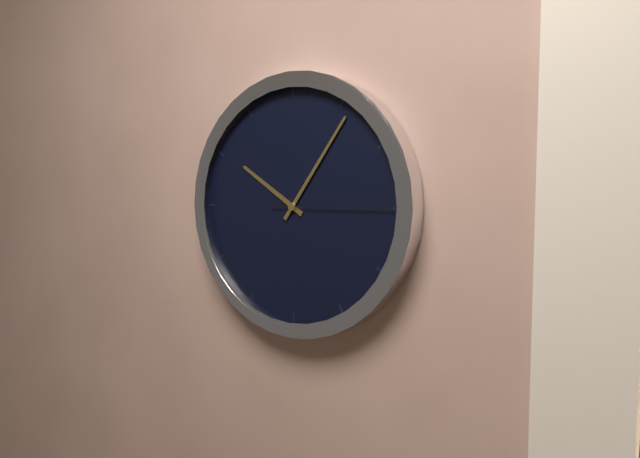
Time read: **10:06:15**
